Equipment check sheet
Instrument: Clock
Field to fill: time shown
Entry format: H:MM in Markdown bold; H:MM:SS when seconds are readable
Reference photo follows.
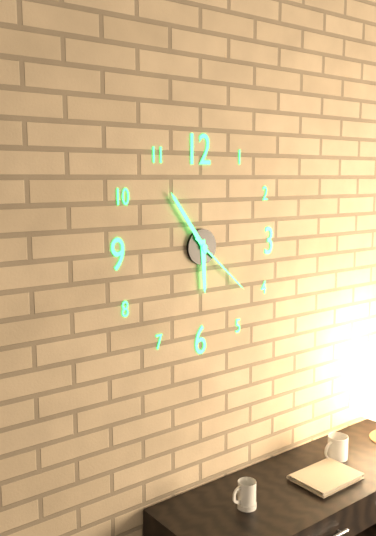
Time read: **5:54:22**
